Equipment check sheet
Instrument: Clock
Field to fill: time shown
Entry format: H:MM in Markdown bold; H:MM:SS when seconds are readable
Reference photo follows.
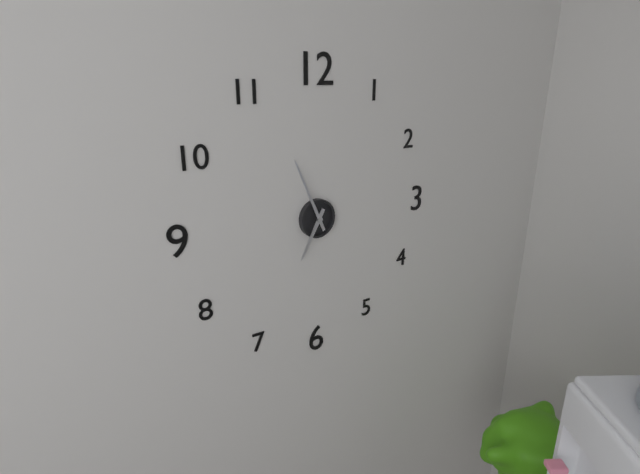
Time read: **6:56**
